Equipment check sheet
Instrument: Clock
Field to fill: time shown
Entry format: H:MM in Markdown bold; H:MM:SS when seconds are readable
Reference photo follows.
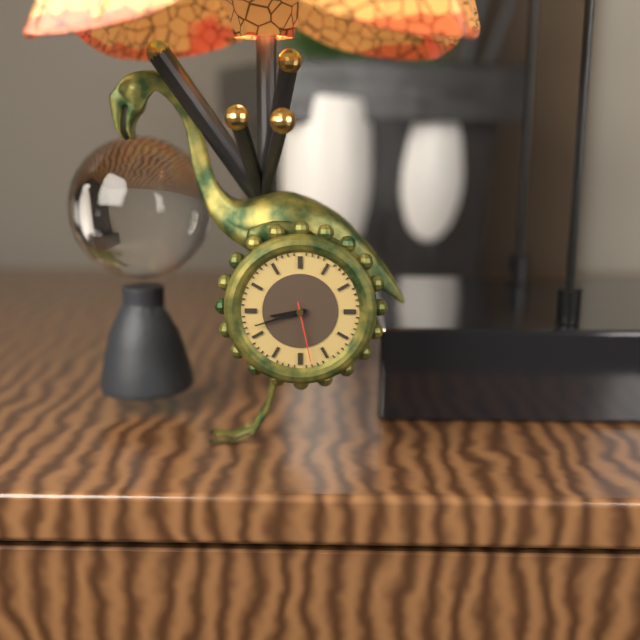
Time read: **8:42:28**
